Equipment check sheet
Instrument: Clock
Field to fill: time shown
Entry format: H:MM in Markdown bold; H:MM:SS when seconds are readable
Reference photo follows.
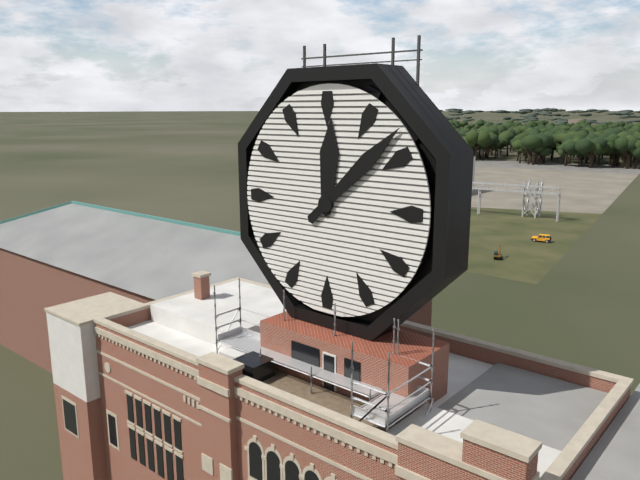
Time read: **12:08**
